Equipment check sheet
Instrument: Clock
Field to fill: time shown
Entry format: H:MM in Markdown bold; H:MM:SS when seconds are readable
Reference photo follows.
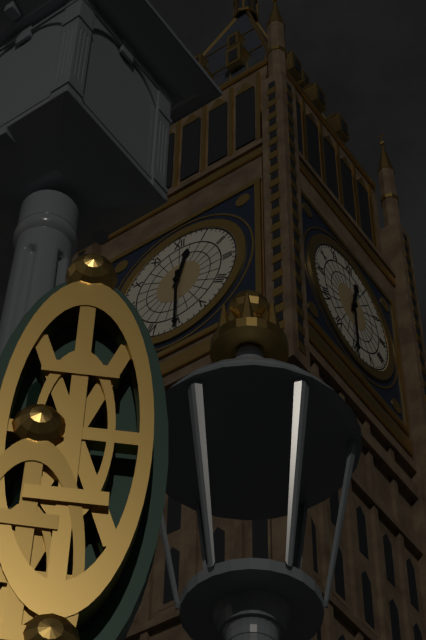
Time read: **12:30**
